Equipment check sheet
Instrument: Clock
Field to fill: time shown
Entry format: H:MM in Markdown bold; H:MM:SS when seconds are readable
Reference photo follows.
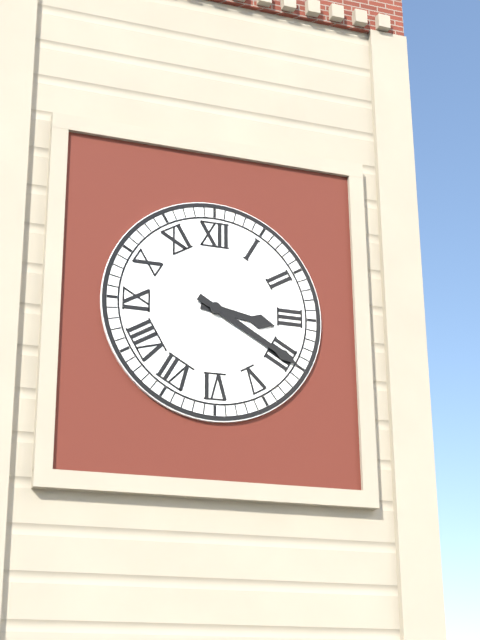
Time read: **3:20**
